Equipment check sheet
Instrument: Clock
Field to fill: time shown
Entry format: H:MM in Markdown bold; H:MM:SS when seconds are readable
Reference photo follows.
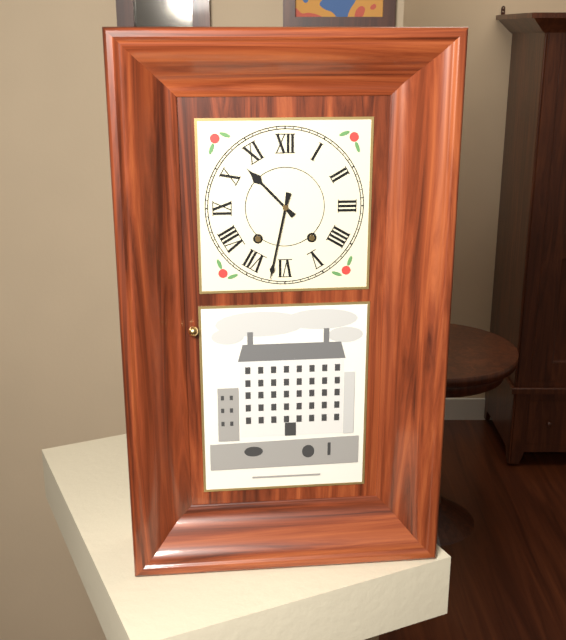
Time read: **10:32**
